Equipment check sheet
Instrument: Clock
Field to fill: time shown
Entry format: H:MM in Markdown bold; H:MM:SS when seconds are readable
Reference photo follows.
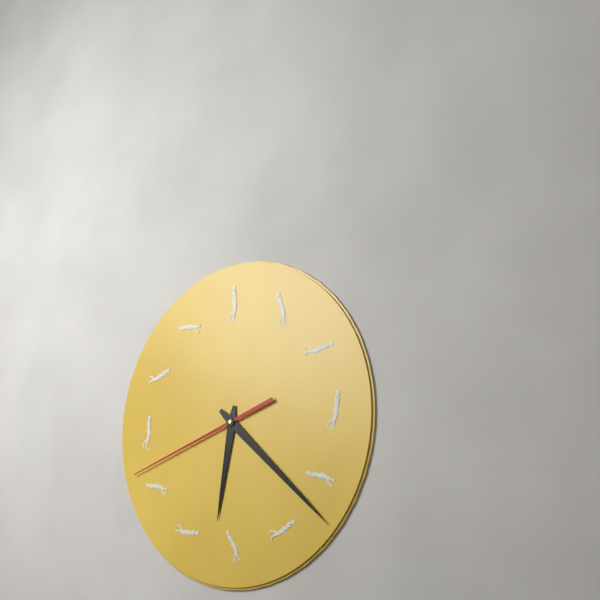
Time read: **6:22:42**
